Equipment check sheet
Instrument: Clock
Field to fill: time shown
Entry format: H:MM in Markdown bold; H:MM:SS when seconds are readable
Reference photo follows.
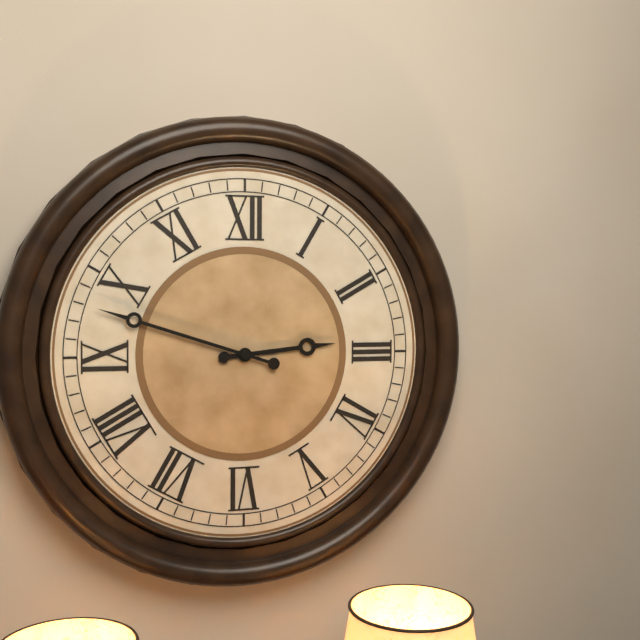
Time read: **2:48**
